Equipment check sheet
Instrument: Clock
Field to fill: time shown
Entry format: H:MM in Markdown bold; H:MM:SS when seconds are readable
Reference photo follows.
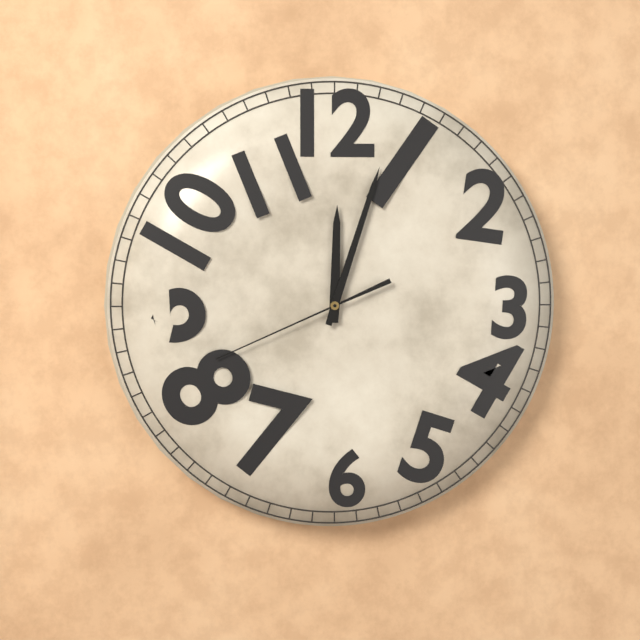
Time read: **12:03:41**
